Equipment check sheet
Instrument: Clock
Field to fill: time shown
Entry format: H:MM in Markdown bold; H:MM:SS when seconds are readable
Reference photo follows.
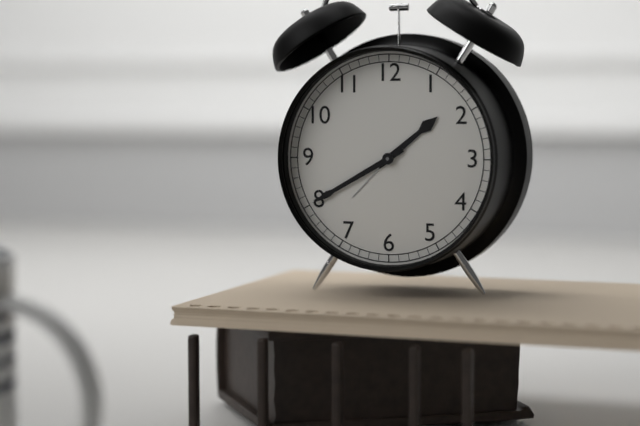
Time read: **1:40**
